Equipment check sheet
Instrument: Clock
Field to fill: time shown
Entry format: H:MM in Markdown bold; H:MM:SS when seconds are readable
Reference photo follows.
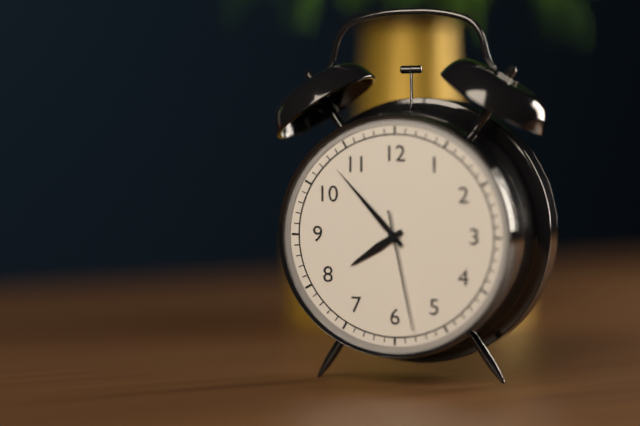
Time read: **7:53:28**
